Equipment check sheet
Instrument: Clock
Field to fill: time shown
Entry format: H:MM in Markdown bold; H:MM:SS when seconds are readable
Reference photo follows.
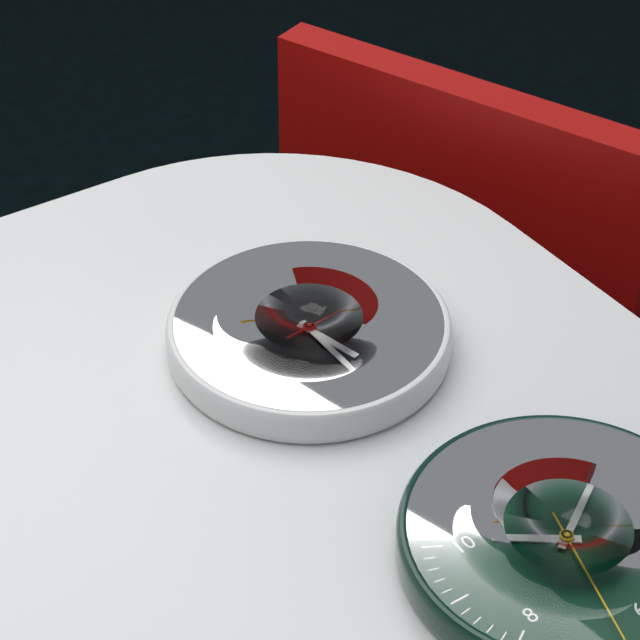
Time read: **5:30:14**
